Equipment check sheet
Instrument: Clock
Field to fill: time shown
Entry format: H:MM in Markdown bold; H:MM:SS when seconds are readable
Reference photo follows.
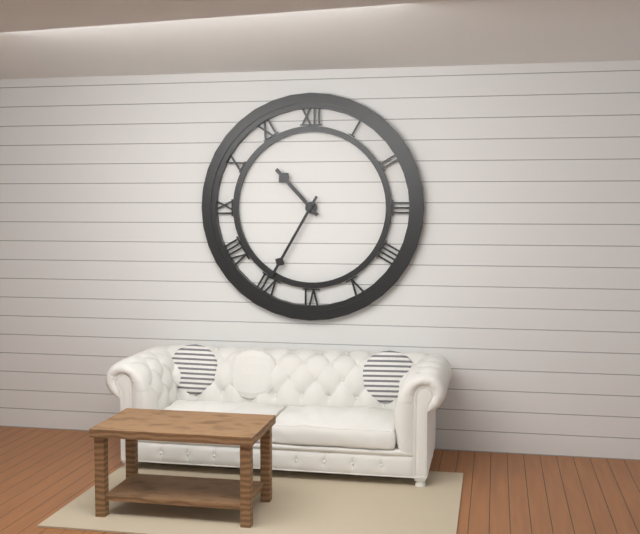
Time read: **10:35**
